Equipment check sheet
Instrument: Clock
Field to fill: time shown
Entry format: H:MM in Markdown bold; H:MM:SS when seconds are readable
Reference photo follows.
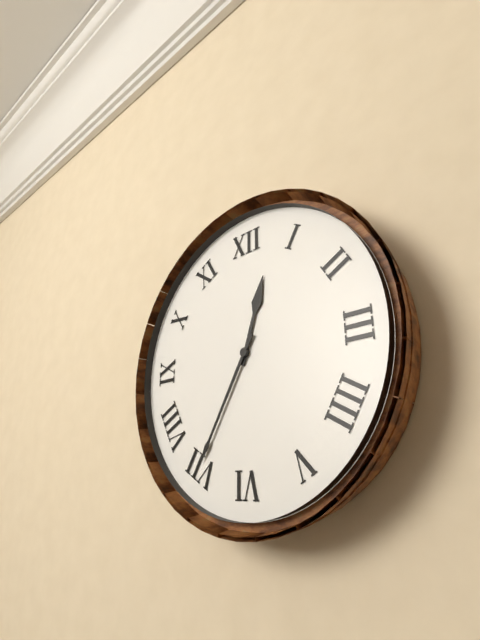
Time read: **12:35**
